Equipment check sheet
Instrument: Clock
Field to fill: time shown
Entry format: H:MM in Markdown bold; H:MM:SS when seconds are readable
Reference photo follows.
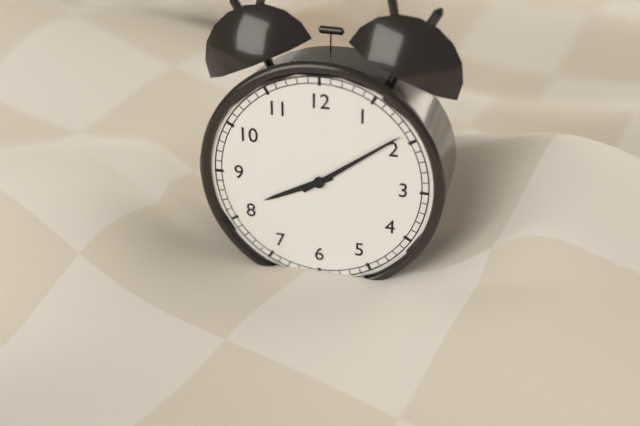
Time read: **8:09**
